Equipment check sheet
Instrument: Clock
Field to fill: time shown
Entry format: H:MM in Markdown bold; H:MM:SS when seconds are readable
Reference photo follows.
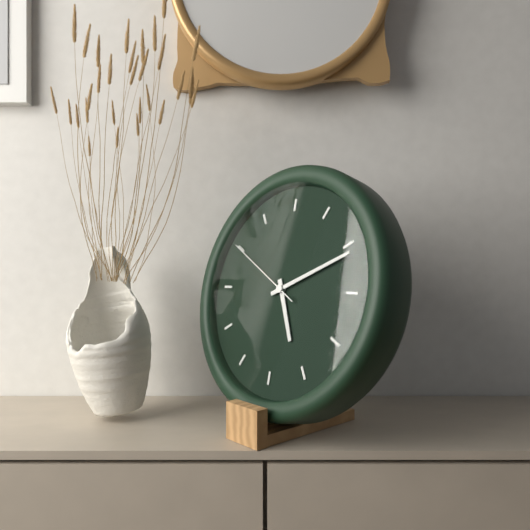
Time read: **5:11:50**
